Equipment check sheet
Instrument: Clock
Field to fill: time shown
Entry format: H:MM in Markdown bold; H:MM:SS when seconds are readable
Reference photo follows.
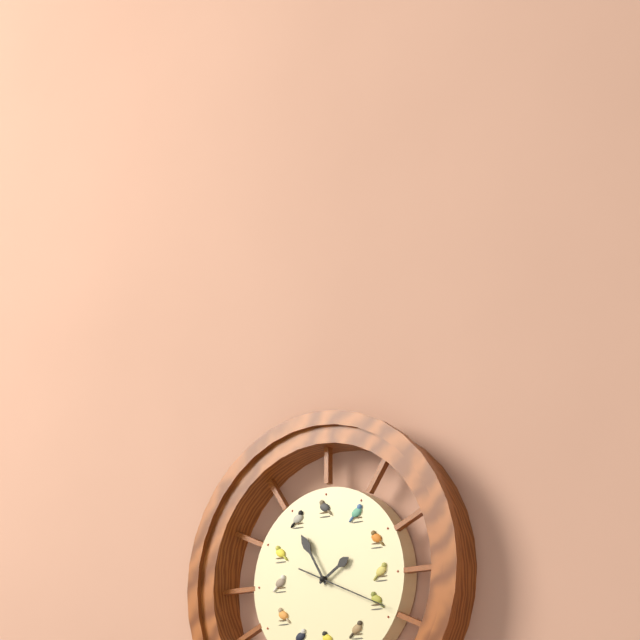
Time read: **1:55:19**
